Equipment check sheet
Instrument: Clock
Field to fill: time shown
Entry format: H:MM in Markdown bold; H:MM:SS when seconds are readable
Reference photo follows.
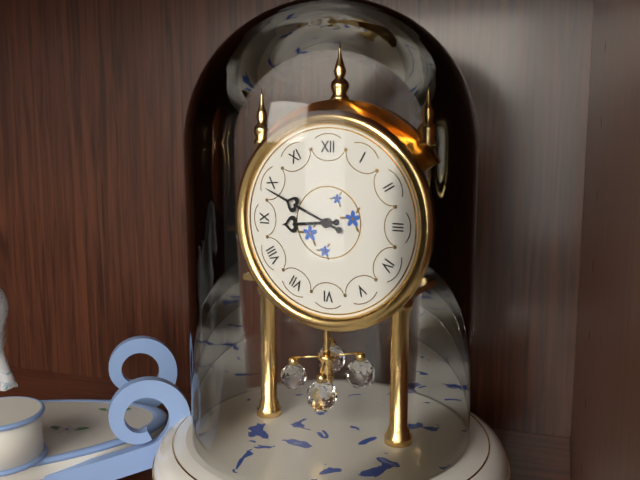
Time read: **8:49**
